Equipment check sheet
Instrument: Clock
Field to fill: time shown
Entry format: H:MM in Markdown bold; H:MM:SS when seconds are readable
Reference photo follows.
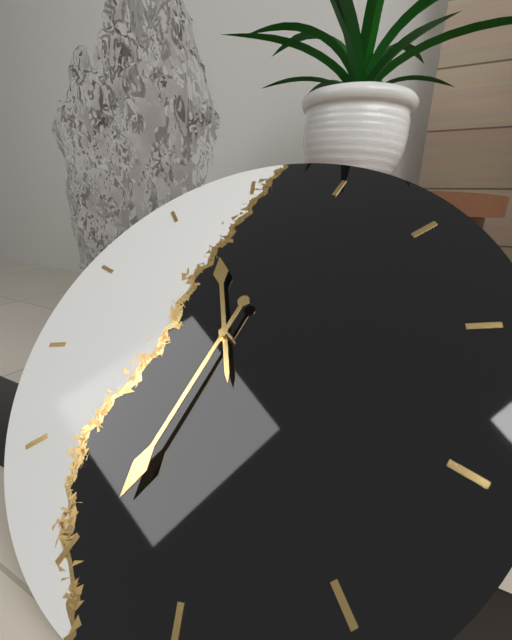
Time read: **11:34**
